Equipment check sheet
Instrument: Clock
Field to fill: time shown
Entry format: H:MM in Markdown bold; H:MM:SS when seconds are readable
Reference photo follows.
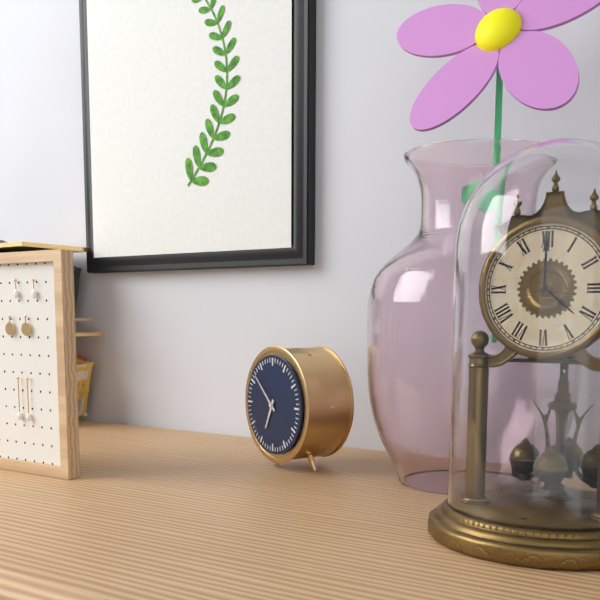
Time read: **6:52**
